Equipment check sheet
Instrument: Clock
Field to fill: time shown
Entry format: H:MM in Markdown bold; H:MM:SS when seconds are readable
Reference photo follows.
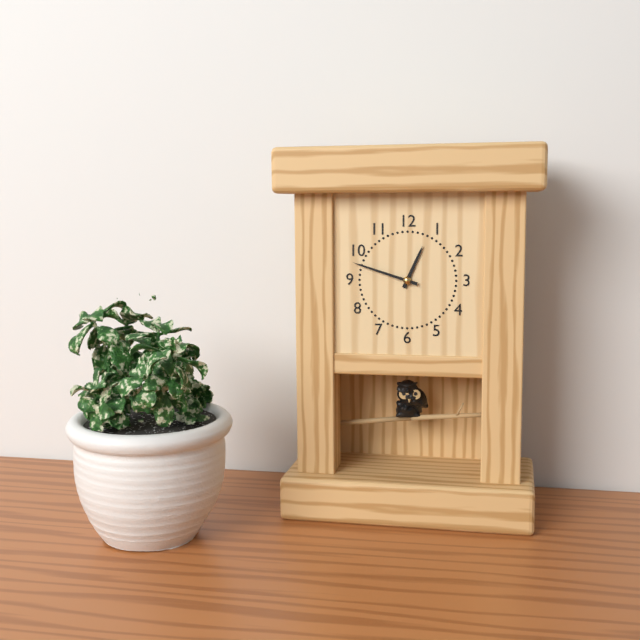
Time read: **12:48**
